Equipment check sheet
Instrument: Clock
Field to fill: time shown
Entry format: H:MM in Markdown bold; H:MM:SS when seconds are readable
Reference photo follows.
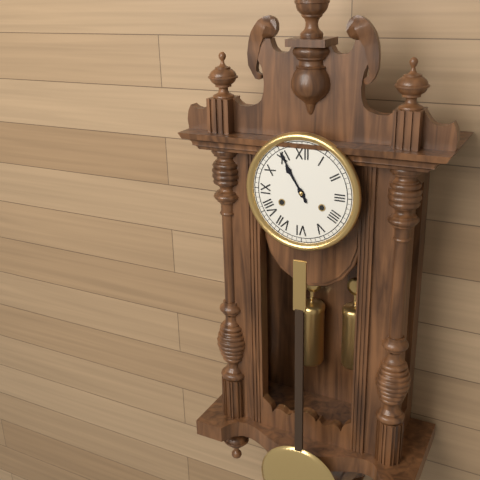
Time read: **10:55**
